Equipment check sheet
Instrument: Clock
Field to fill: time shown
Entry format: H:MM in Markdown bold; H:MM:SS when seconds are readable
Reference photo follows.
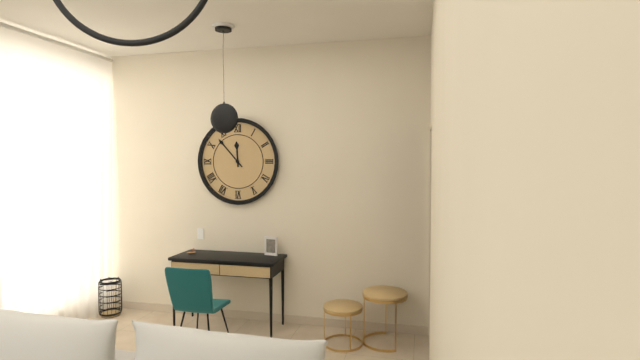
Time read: **11:53**
